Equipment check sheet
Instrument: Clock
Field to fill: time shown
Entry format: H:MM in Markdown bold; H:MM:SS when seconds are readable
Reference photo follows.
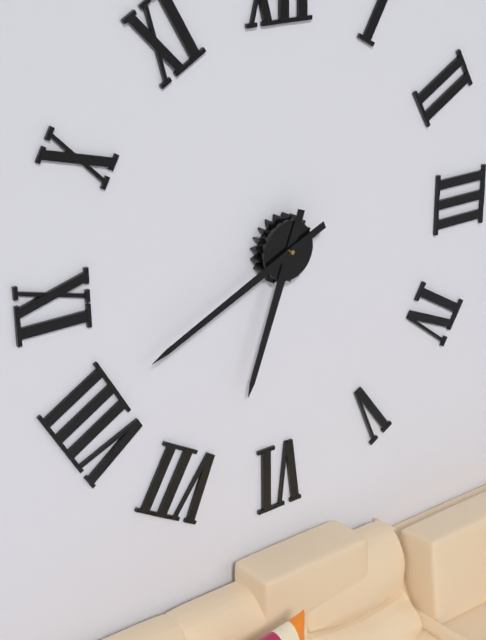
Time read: **6:41**
